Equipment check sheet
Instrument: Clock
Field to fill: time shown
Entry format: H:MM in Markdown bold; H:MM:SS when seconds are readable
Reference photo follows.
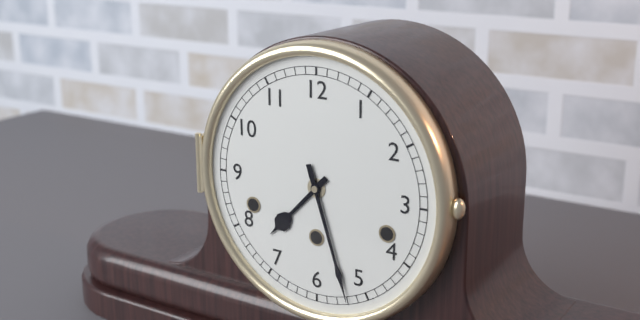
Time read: **7:27**
